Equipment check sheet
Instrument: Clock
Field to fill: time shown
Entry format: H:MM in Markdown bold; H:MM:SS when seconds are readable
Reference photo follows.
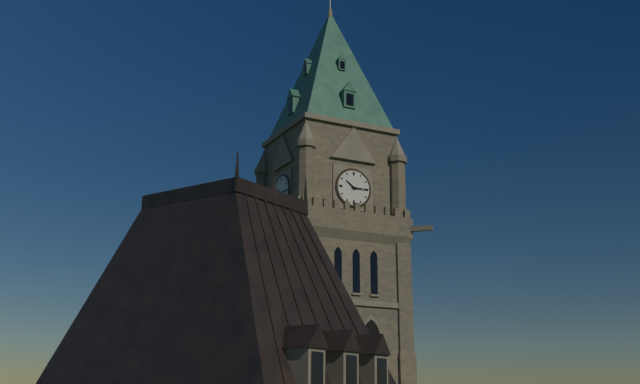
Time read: **10:15**
